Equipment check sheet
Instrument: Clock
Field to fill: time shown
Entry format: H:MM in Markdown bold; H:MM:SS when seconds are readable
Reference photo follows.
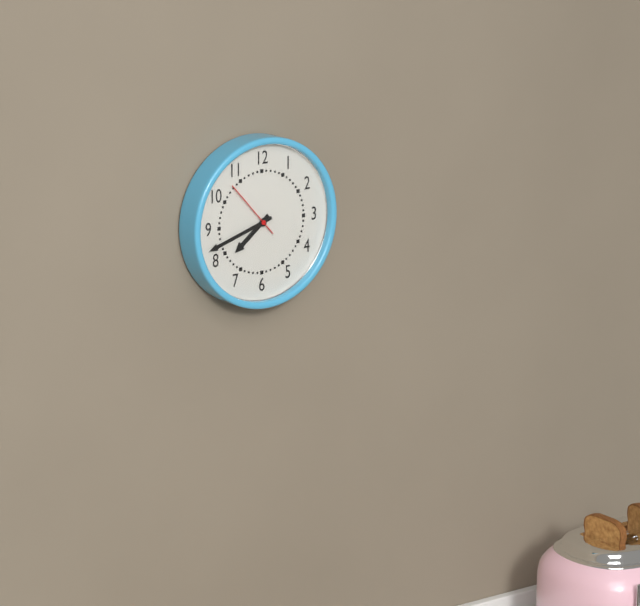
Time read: **7:42:53**
